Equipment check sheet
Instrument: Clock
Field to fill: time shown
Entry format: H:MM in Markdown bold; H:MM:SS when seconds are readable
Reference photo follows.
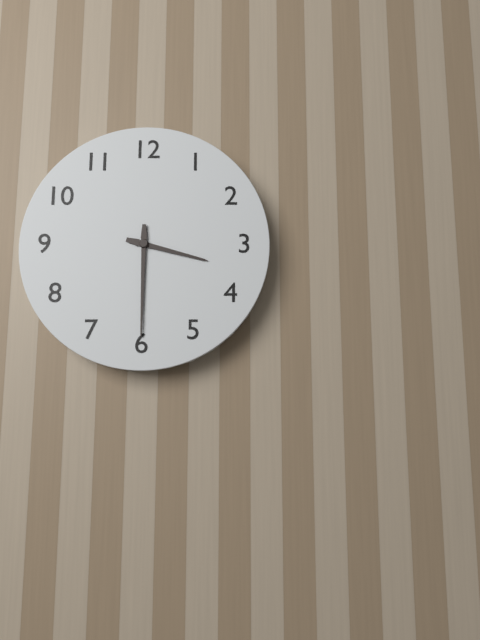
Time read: **3:30**
